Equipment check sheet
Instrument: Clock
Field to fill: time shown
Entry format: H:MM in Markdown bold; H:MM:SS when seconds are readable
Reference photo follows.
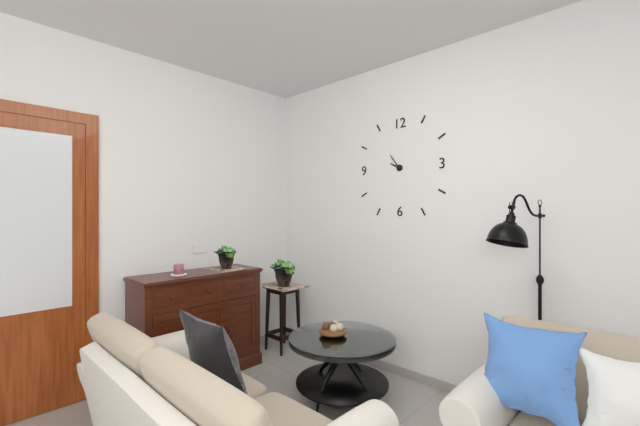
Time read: **9:54**
